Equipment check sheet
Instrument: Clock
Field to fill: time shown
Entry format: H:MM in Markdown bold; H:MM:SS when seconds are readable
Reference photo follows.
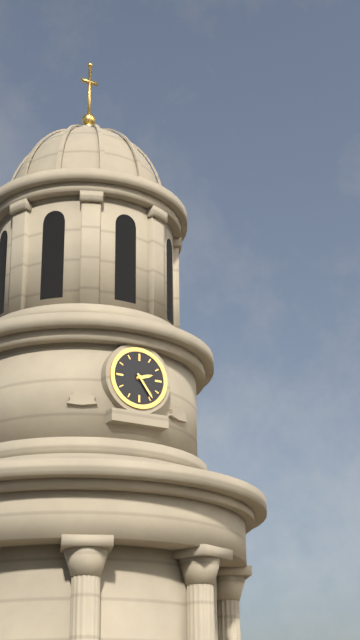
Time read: **2:24**
